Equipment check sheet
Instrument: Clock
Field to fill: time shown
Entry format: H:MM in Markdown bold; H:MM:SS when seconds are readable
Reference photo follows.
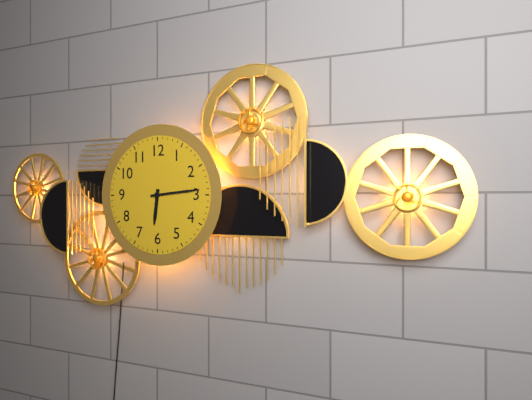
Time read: **6:14**
